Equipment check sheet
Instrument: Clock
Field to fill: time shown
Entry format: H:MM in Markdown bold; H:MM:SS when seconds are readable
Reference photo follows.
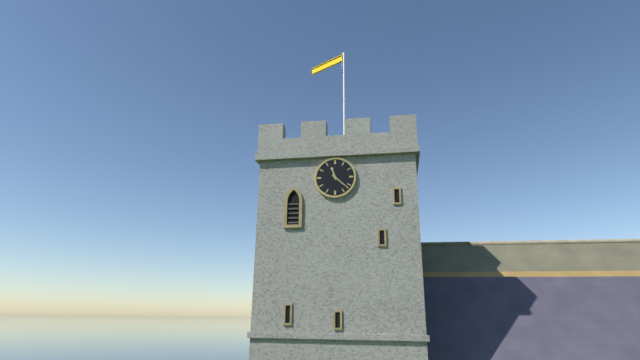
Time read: **11:22**
